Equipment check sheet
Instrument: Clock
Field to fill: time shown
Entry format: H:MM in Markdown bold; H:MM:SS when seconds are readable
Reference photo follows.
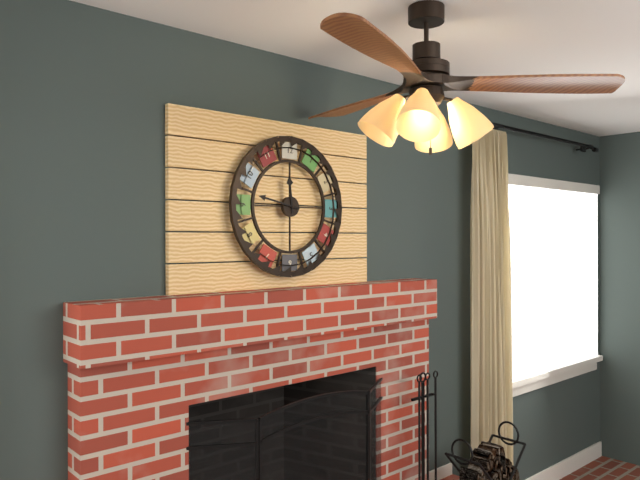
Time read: **11:47**
